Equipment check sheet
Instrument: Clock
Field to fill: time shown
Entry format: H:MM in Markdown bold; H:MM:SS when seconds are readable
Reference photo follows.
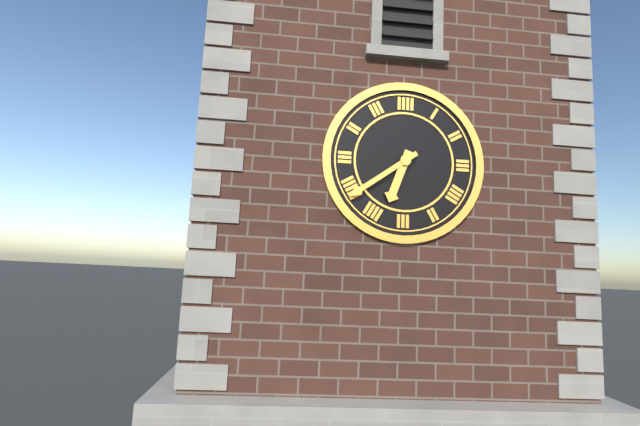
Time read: **6:39**
